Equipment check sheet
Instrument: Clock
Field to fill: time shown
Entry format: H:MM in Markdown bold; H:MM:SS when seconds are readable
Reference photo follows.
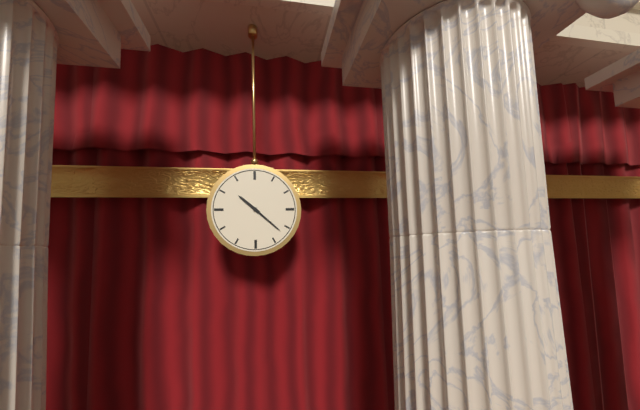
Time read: **10:22**
